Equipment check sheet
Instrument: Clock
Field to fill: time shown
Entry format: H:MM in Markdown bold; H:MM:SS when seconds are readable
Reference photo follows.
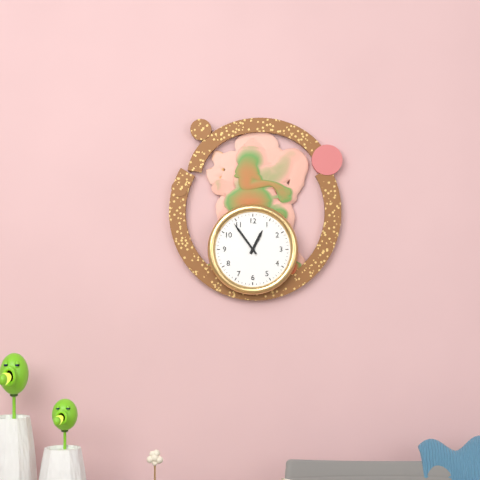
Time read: **12:54**
